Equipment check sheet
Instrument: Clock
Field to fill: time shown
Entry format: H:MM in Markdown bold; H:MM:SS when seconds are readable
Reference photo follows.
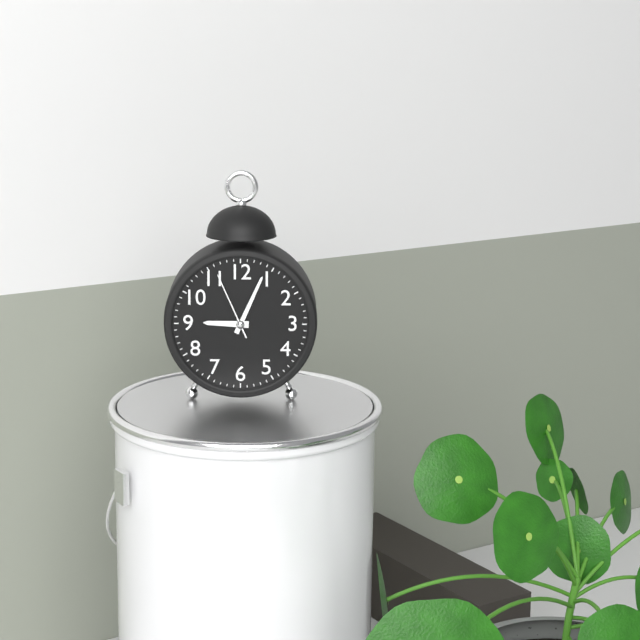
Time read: **9:04:56**
